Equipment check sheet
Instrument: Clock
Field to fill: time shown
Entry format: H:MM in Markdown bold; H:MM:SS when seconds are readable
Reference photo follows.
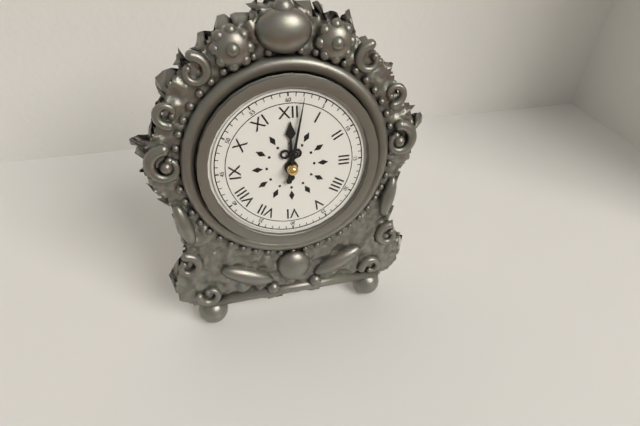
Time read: **12:02**
